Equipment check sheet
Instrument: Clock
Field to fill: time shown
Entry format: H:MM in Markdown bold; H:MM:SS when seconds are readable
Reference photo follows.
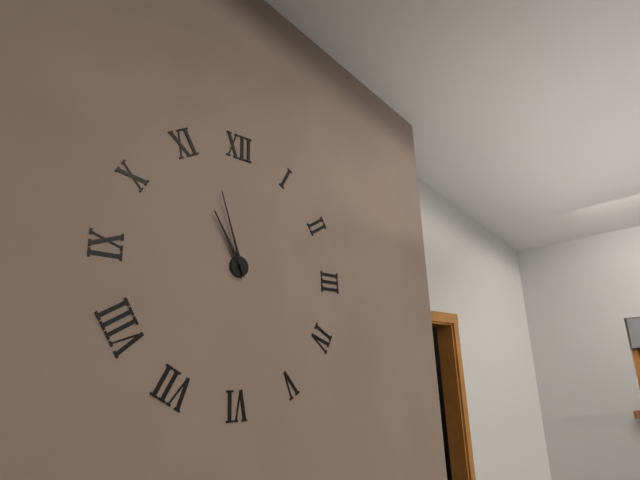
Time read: **10:57**
